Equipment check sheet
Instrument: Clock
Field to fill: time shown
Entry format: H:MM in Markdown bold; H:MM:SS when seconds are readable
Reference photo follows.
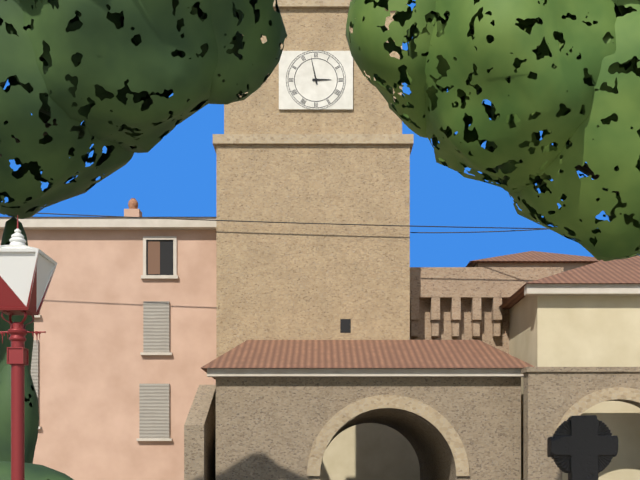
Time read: **2:58**
